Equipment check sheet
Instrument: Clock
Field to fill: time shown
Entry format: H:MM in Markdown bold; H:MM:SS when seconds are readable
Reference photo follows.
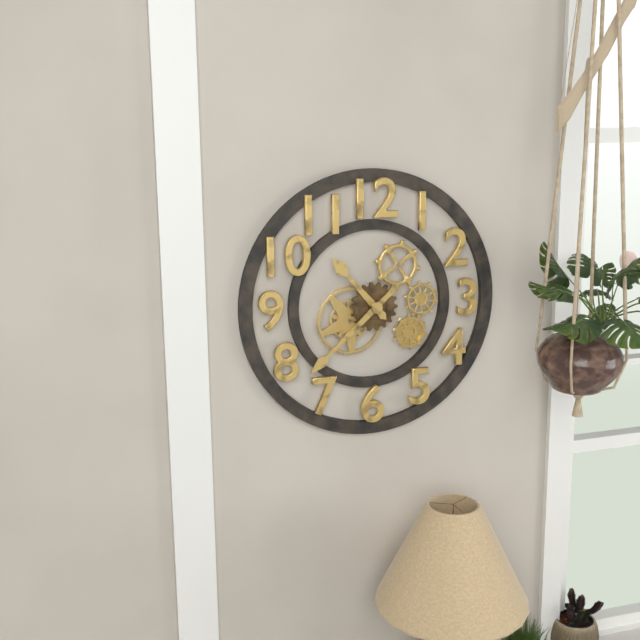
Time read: **10:38**
